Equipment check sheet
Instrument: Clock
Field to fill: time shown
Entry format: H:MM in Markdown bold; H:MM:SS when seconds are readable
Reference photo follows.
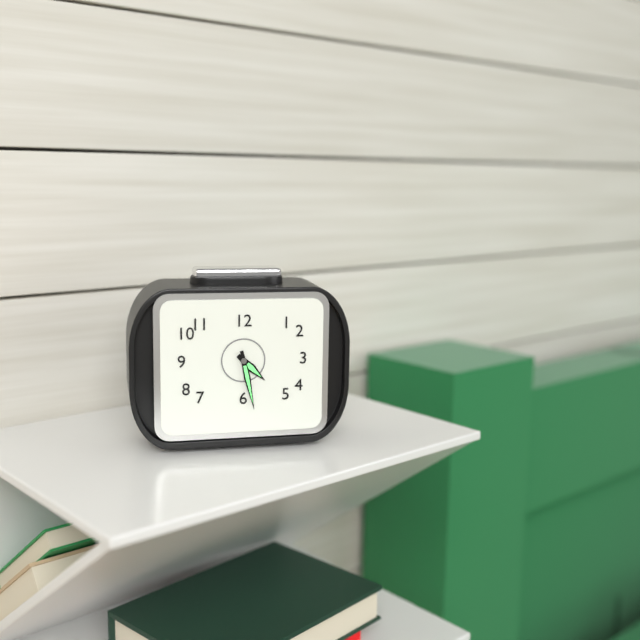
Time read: **4:28**
